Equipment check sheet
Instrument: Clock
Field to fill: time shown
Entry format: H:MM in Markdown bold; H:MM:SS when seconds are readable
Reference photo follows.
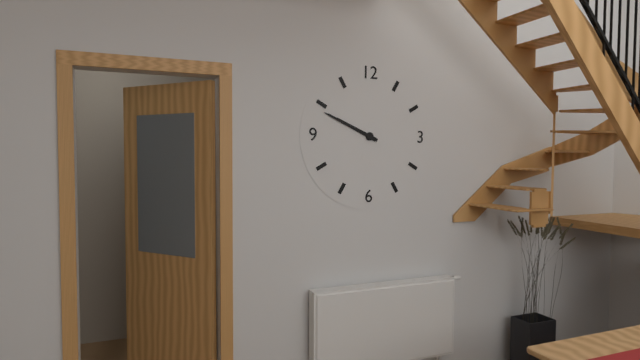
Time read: **9:49**
